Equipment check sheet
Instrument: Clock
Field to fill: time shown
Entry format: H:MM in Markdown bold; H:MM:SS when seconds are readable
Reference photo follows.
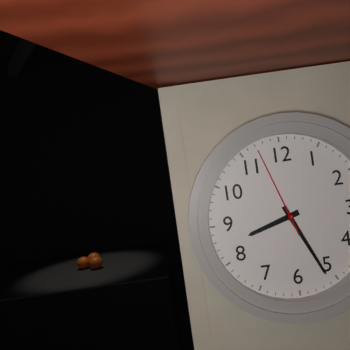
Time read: **8:26:57**
